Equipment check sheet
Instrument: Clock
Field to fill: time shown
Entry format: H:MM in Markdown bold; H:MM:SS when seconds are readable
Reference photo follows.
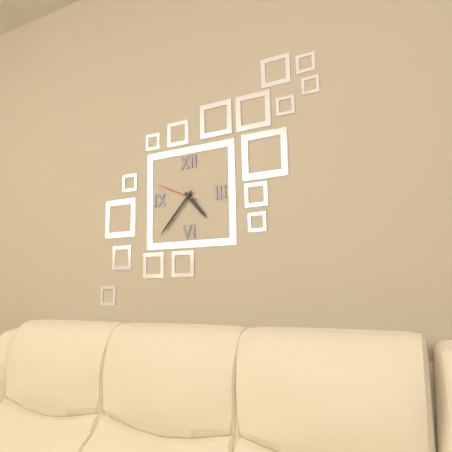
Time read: **4:37**
